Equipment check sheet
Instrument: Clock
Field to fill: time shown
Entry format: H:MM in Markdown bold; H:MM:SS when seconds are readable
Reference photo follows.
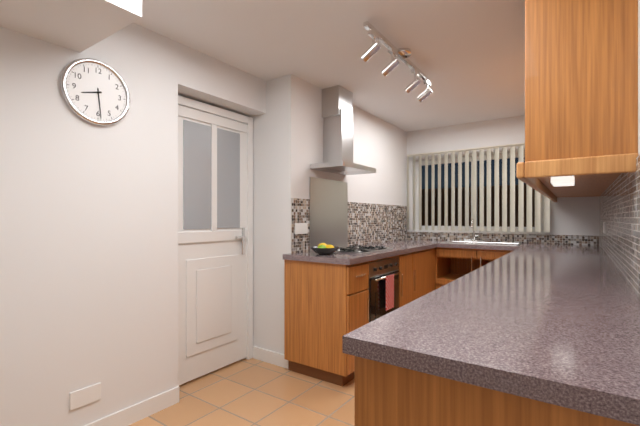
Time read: **8:29**
